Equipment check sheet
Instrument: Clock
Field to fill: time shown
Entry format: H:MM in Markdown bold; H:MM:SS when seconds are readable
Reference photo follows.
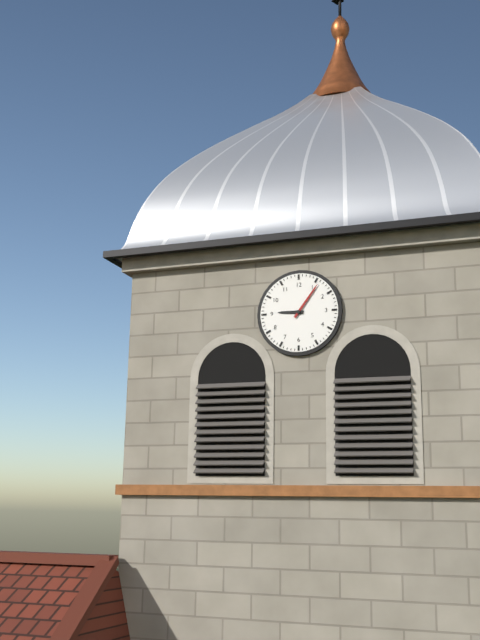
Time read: **9:06**
